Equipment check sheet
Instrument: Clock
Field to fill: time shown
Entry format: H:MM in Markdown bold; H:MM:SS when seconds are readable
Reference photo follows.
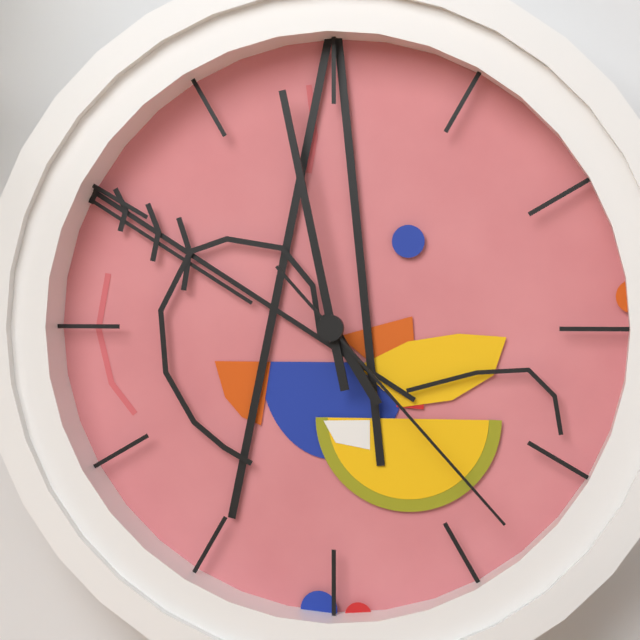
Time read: **4:58:23**
